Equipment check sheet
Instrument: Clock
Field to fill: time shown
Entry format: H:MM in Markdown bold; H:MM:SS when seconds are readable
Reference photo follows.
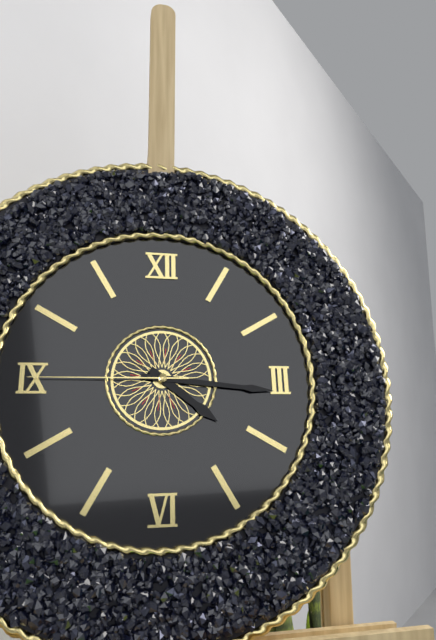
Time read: **4:16:45**
